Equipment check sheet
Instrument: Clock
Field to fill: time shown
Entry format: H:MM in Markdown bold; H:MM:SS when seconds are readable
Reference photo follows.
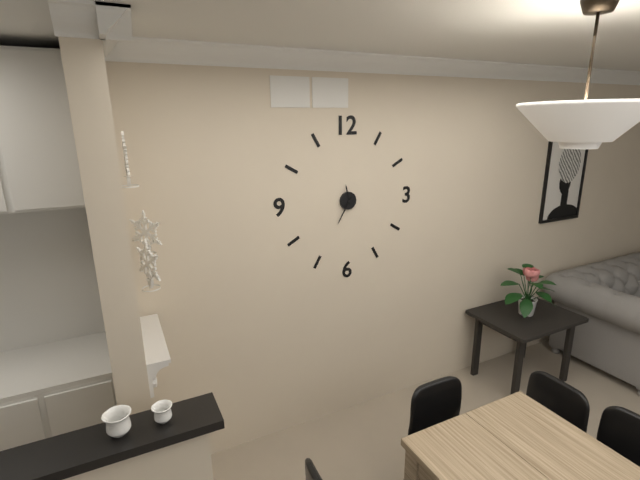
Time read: **11:35**
